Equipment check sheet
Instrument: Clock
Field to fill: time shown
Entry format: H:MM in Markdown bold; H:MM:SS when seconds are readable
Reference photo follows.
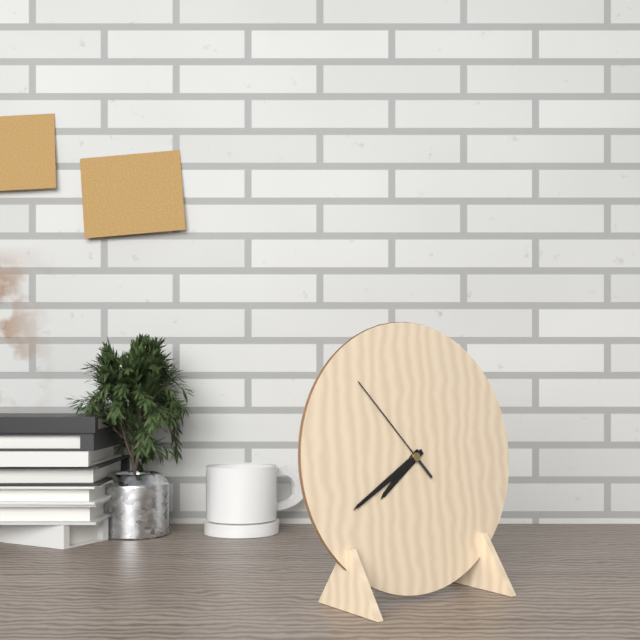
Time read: **7:40:53**
